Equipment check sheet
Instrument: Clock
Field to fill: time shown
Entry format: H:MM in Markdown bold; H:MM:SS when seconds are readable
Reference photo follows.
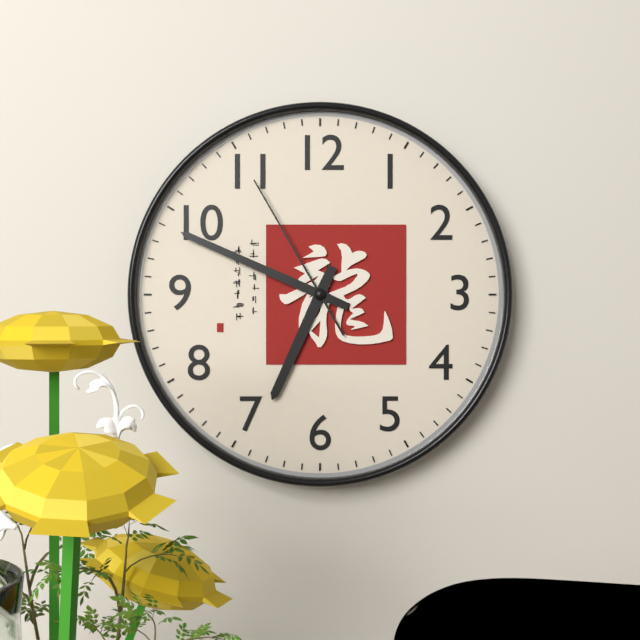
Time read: **6:49:55**
